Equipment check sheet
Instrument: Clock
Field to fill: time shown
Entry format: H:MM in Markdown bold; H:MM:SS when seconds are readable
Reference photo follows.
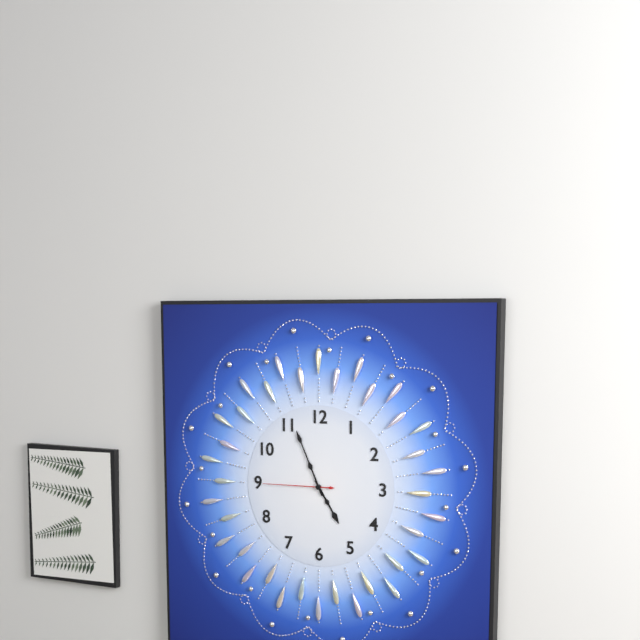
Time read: **4:56:45**
